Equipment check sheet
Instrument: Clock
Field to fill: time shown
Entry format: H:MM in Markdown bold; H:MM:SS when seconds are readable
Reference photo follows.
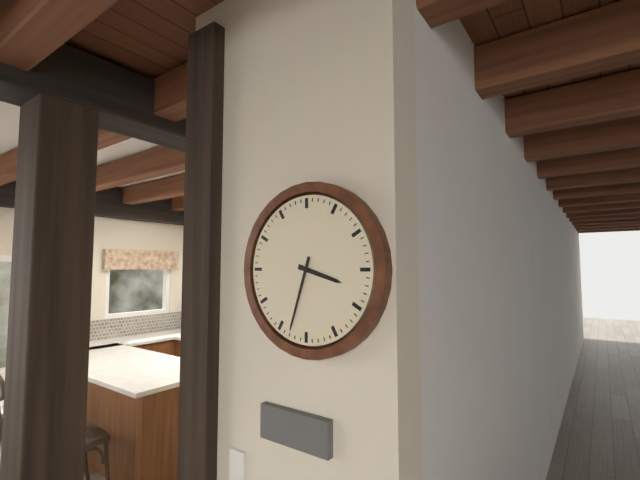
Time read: **3:33**
